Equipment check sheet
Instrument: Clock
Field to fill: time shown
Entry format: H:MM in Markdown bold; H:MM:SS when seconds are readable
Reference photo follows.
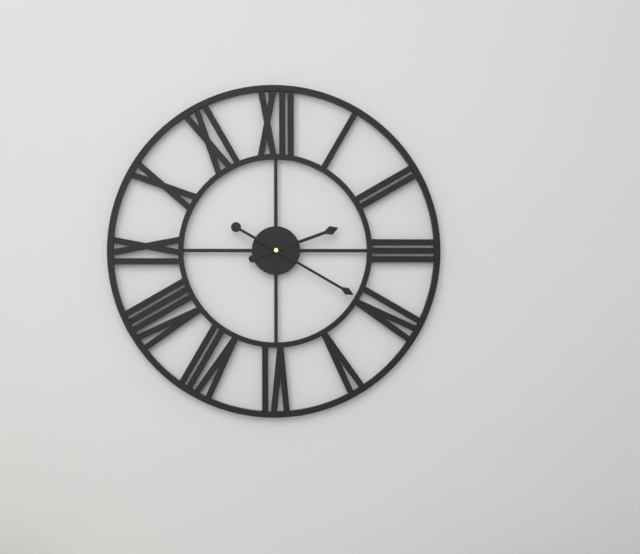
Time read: **2:20**
